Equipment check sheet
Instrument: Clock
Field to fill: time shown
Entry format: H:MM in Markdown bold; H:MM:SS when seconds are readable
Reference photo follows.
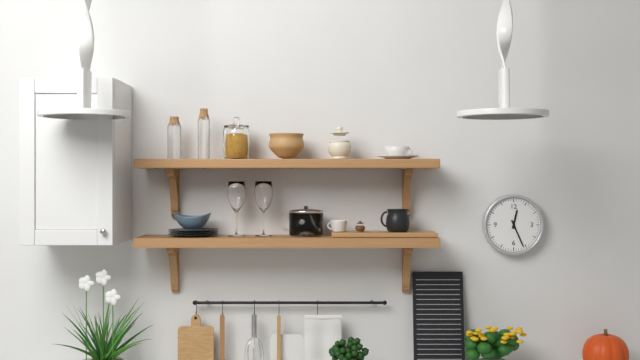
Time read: **12:26**
